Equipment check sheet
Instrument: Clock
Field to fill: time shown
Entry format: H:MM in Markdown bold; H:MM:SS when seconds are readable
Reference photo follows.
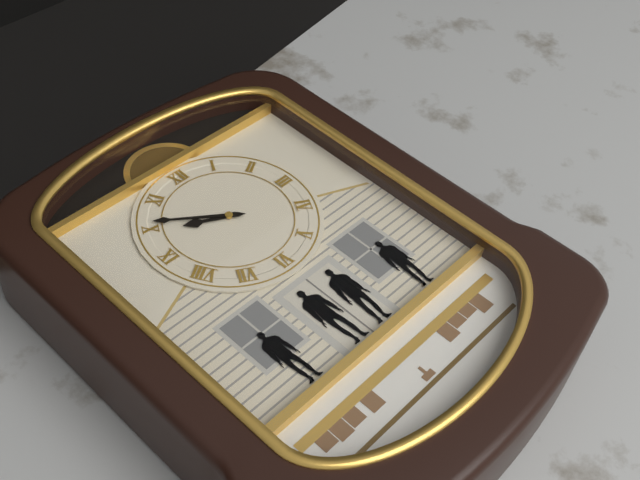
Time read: **9:51**
